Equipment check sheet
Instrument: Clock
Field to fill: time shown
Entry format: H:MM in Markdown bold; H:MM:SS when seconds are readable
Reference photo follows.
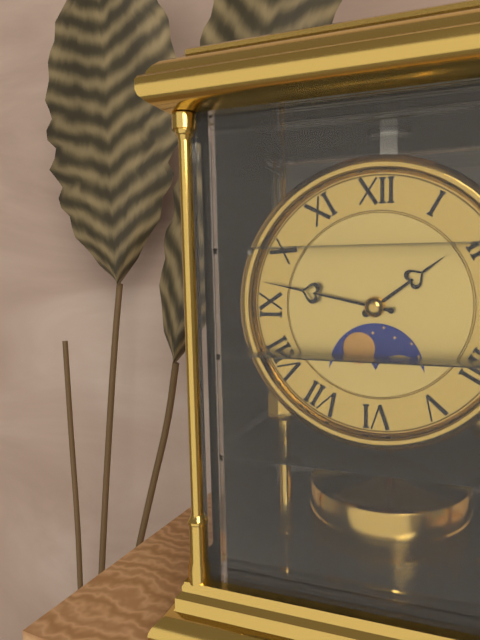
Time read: **1:47**
